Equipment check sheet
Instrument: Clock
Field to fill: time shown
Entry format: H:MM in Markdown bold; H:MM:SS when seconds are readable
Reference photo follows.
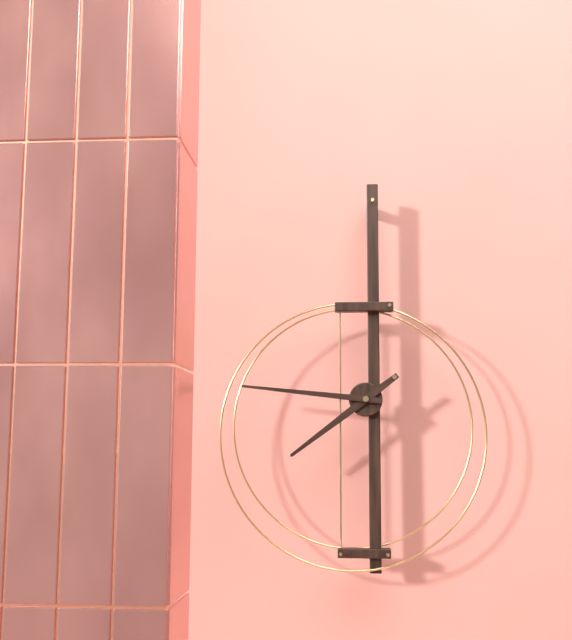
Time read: **7:46**
